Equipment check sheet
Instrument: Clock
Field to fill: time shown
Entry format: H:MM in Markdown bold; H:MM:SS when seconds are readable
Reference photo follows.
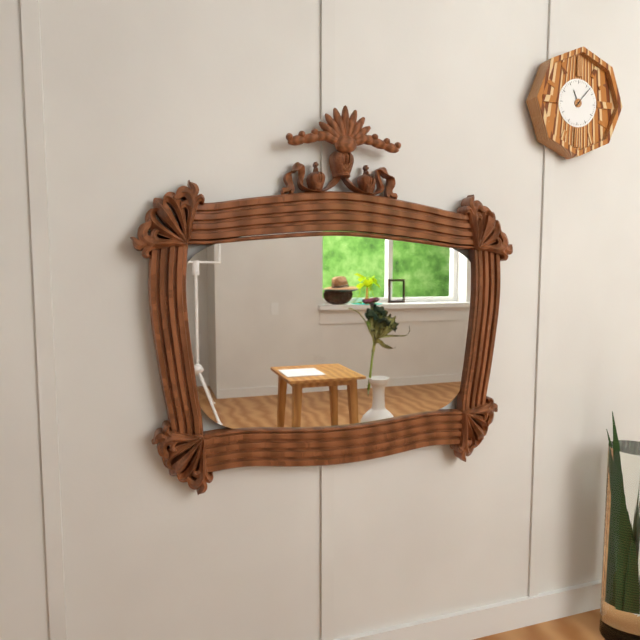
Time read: **11:07**
